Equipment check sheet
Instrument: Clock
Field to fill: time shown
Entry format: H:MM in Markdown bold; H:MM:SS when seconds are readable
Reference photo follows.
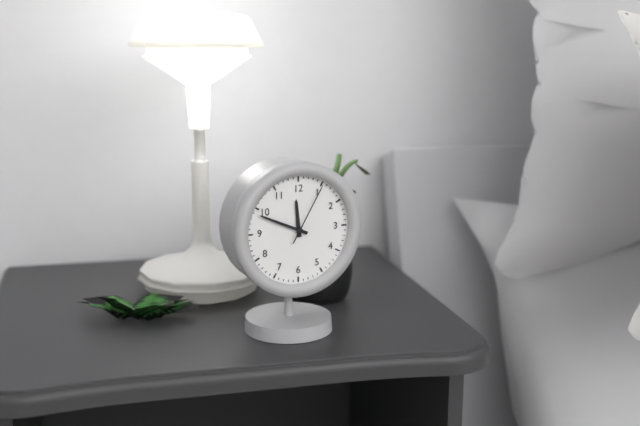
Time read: **11:49:05**
